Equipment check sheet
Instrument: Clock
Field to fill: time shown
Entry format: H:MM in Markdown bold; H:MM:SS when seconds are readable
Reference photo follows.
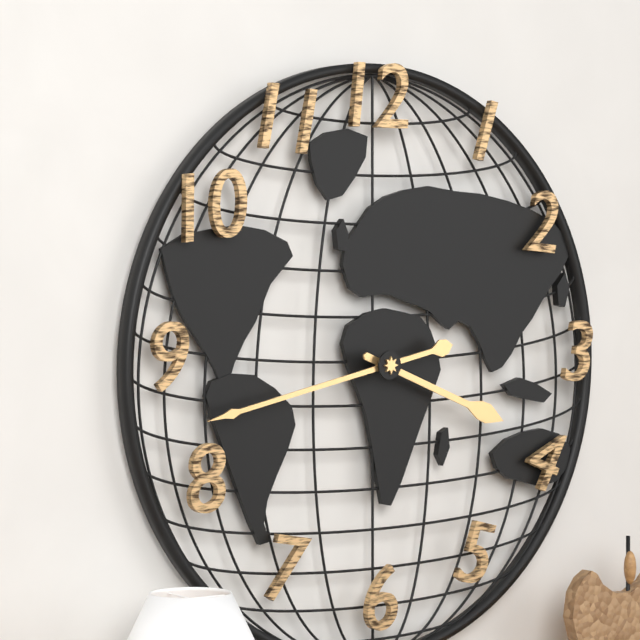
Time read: **3:43**
